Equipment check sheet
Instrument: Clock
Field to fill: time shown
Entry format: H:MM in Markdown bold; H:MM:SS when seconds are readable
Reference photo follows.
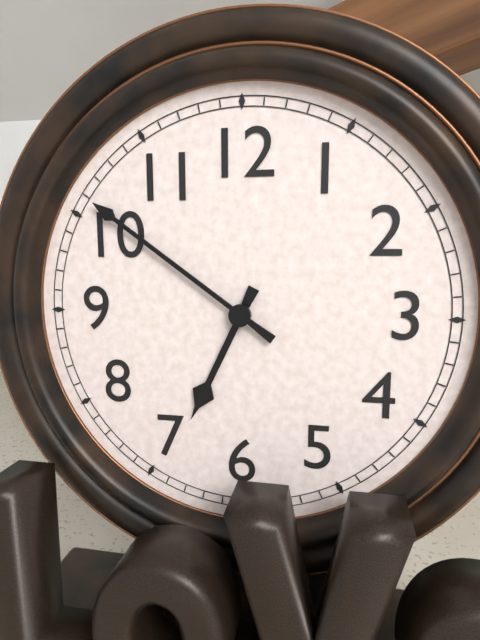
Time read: **6:51**
